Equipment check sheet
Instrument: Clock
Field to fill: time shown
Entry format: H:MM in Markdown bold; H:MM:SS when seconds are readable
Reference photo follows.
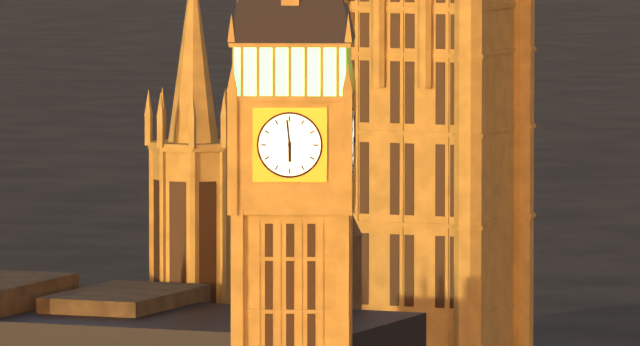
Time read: **5:59**
